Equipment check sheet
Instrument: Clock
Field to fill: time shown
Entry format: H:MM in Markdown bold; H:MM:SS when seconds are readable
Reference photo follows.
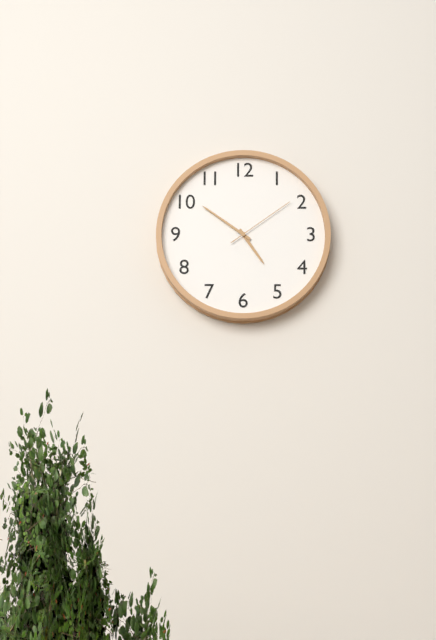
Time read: **4:51:09**
